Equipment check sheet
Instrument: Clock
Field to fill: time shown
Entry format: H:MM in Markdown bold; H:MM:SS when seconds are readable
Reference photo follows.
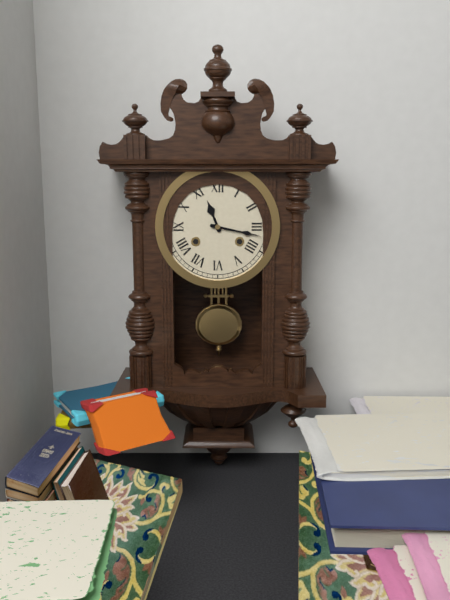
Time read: **11:17**
